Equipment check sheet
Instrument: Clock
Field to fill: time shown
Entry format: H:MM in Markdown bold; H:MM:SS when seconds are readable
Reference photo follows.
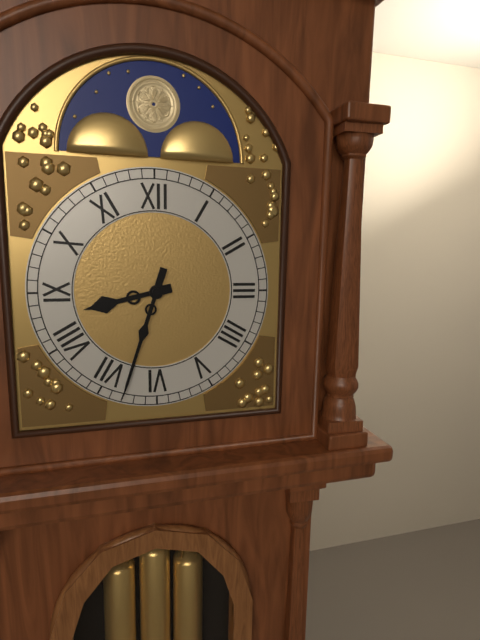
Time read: **8:33**
